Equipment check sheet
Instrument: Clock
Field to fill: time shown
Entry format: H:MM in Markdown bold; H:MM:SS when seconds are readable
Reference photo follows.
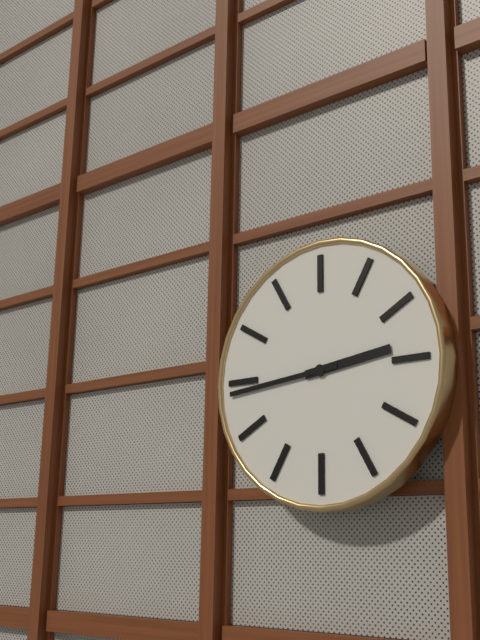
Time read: **2:44**
